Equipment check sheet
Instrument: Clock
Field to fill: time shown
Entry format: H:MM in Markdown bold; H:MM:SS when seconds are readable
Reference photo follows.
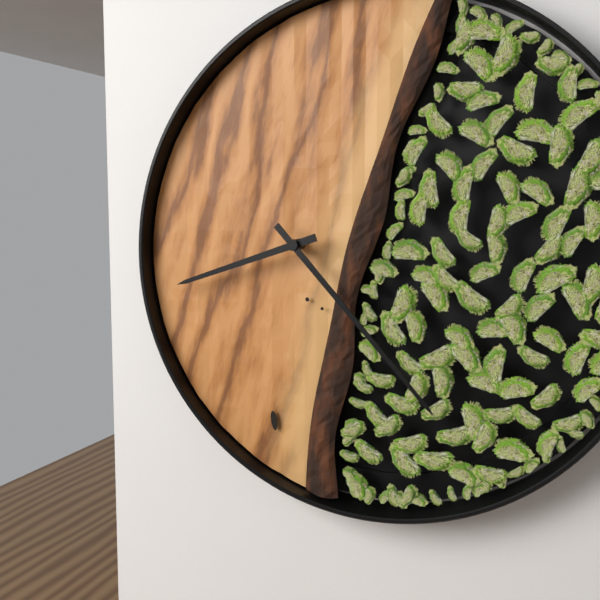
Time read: **8:23**
